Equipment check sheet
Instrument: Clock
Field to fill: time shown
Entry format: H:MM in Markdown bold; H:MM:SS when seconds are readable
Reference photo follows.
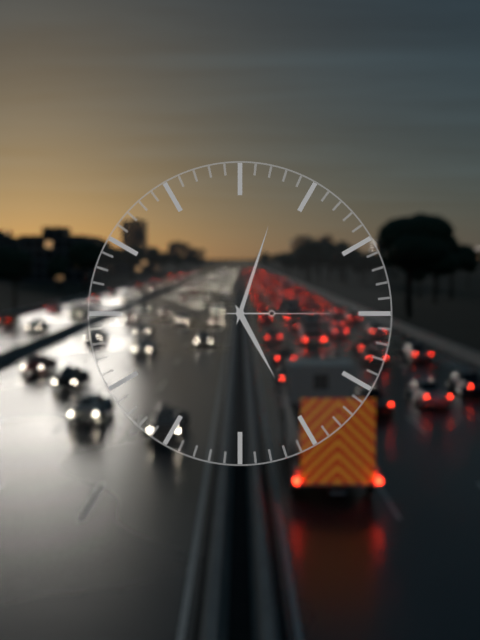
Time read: **5:03:15**
